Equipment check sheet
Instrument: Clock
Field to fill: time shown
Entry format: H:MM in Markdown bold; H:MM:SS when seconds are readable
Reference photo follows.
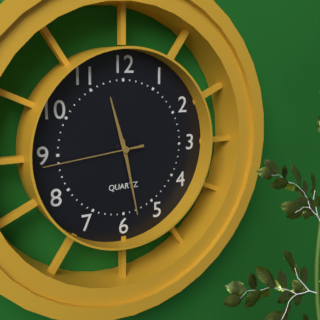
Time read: **11:28:44**
